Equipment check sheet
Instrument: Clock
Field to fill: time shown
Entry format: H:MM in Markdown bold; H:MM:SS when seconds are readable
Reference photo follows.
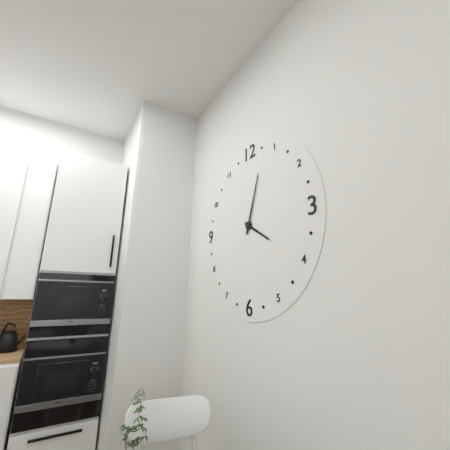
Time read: **4:03**
